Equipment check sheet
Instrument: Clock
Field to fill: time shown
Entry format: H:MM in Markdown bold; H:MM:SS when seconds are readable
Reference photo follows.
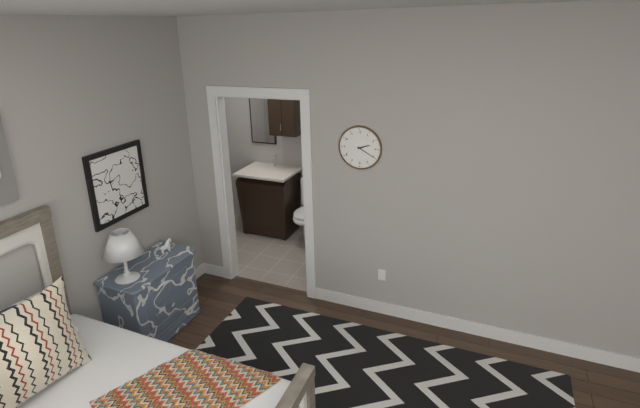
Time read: **2:20**
